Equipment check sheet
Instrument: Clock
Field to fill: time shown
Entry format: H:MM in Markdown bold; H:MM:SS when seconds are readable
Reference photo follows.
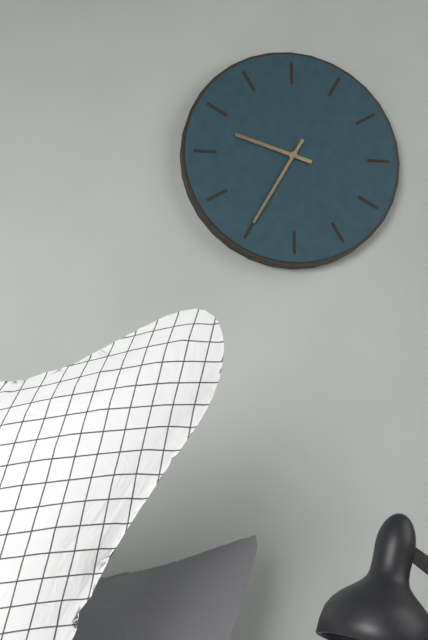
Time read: **9:35**
